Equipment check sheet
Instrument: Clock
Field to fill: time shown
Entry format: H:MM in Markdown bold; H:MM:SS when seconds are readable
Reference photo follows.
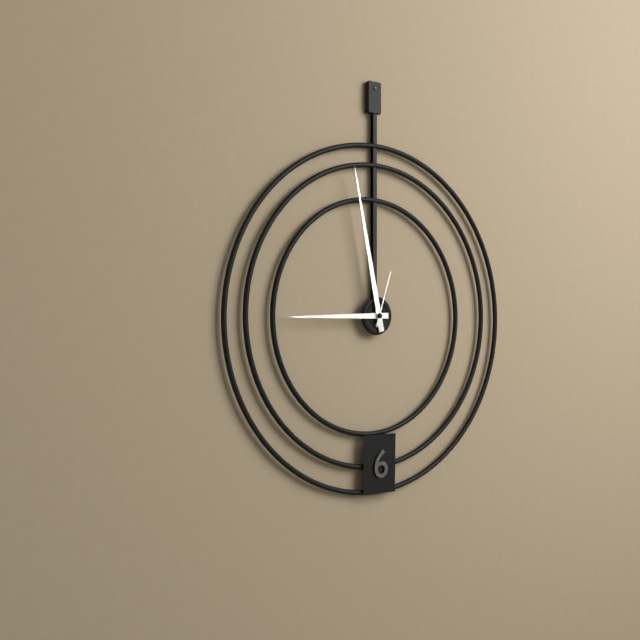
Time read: **8:58:03**
